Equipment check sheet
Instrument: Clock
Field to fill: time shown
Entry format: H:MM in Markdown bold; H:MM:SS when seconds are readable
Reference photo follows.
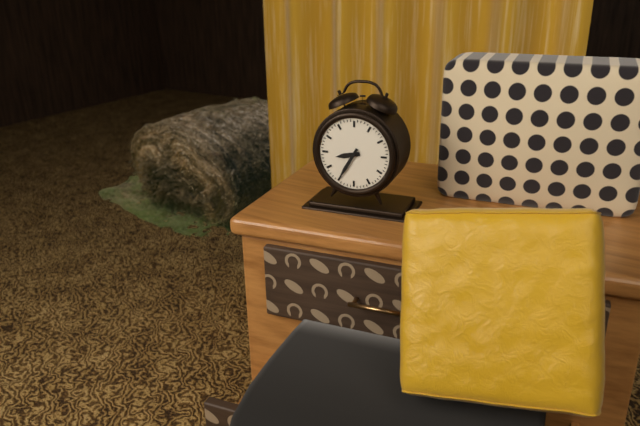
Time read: **8:35**
